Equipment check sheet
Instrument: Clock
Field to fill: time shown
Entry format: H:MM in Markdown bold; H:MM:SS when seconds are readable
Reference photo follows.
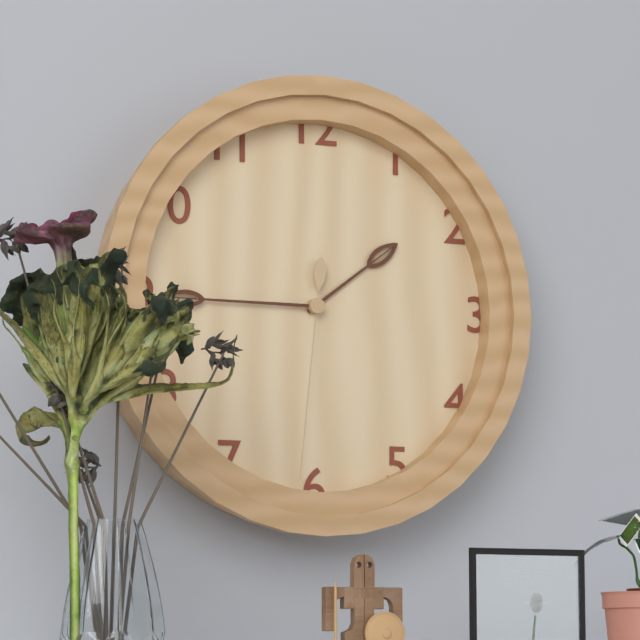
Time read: **1:45:31**
